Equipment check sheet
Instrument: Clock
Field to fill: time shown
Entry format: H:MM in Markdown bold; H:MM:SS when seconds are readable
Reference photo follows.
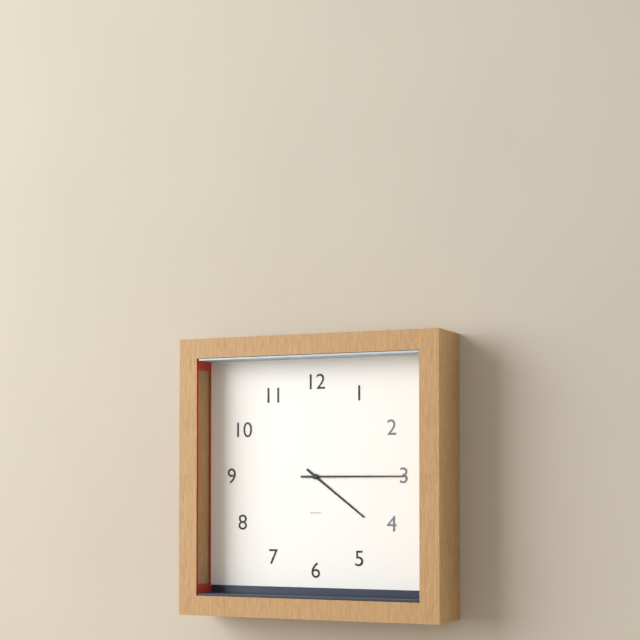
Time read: **4:15**
